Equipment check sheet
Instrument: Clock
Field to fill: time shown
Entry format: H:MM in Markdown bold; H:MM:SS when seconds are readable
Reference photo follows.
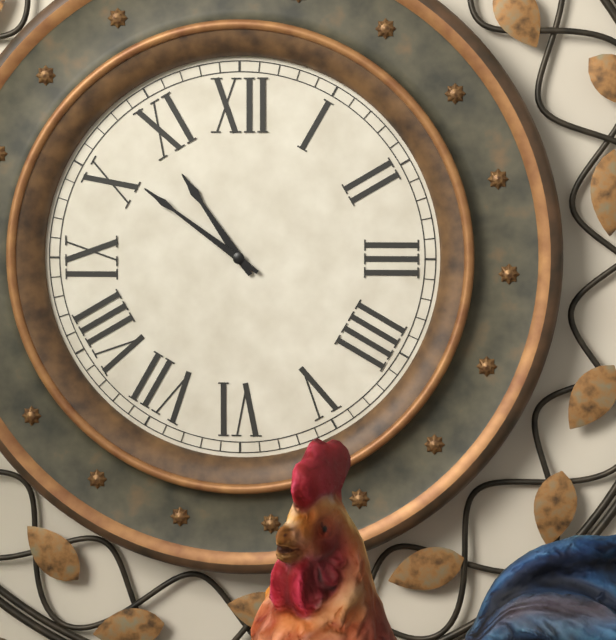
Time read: **10:51**
